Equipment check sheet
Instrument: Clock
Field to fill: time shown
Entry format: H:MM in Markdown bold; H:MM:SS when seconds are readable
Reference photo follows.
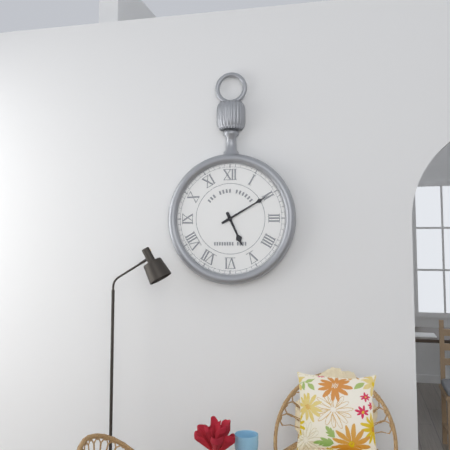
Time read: **5:10**
